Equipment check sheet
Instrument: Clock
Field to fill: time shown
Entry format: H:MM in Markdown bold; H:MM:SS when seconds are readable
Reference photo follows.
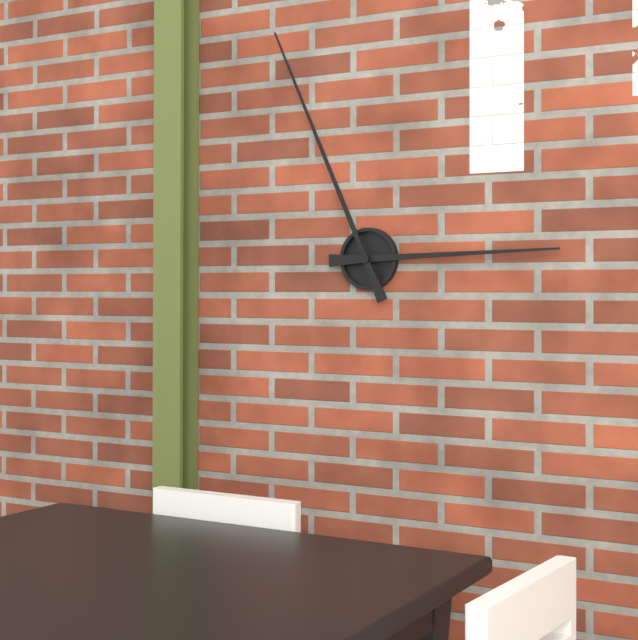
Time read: **2:56**
